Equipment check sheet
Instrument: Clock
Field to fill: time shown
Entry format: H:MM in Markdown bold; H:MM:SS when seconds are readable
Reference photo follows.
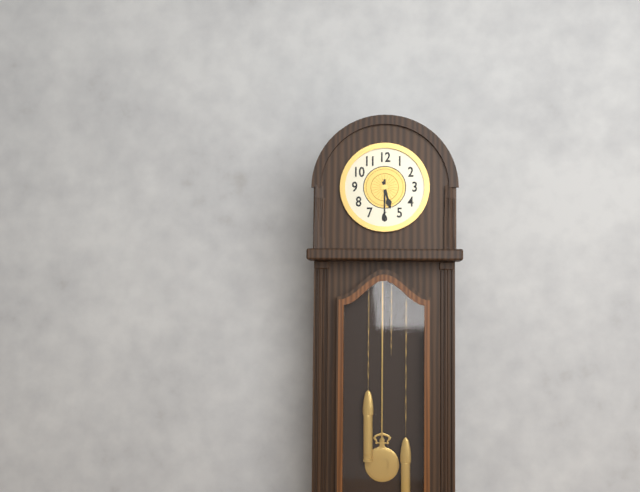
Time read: **5:30**
